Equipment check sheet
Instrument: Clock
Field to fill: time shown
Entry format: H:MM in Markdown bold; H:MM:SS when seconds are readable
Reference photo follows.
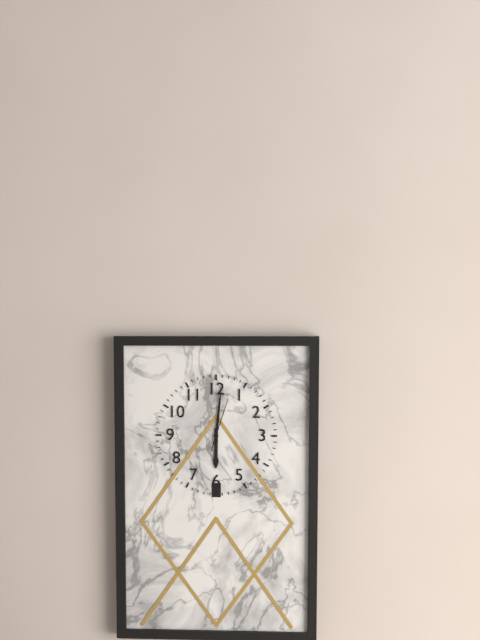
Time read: **6:01**
